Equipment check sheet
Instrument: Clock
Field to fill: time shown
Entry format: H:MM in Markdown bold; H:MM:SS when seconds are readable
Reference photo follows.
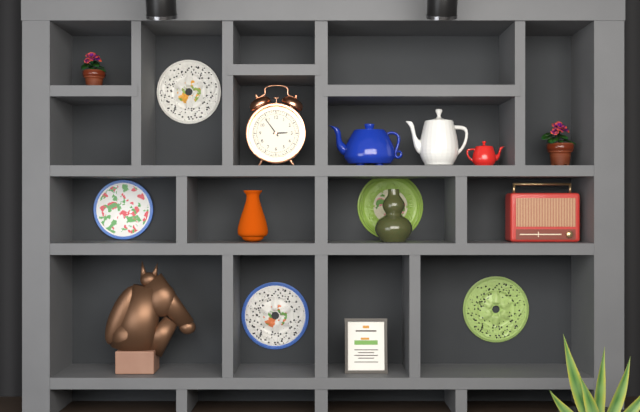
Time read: **2:54**
